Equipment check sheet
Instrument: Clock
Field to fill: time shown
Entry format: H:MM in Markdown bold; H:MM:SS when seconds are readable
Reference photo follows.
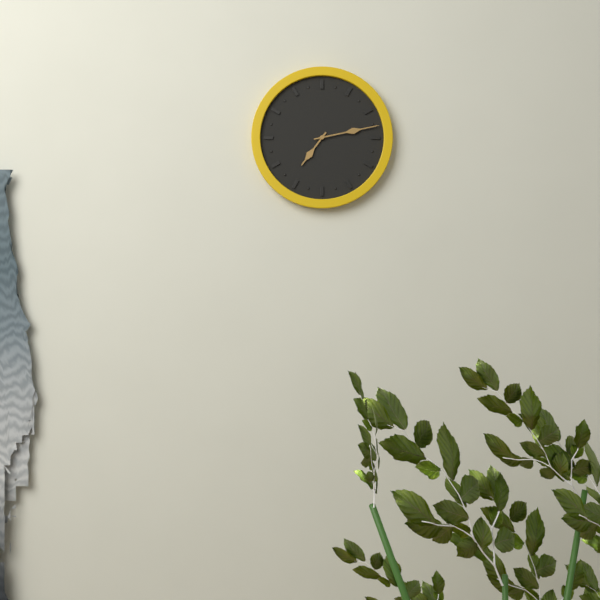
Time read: **7:13**
